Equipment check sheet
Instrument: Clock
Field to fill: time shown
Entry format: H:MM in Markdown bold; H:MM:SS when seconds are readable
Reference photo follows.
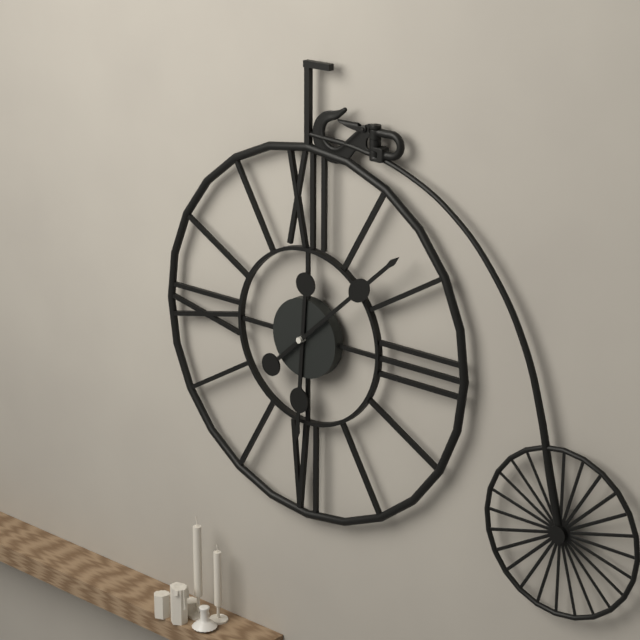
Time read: **6:08**
